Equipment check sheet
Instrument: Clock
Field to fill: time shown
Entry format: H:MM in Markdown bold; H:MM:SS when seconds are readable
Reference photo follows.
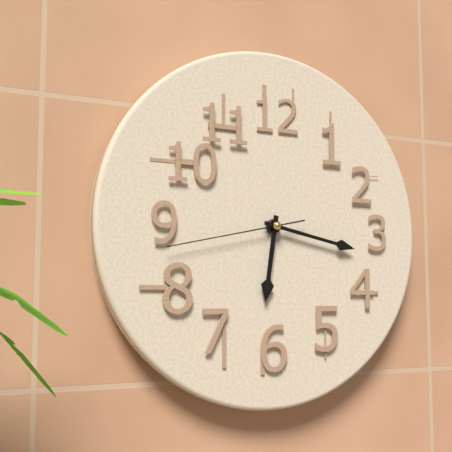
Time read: **6:17:43**
